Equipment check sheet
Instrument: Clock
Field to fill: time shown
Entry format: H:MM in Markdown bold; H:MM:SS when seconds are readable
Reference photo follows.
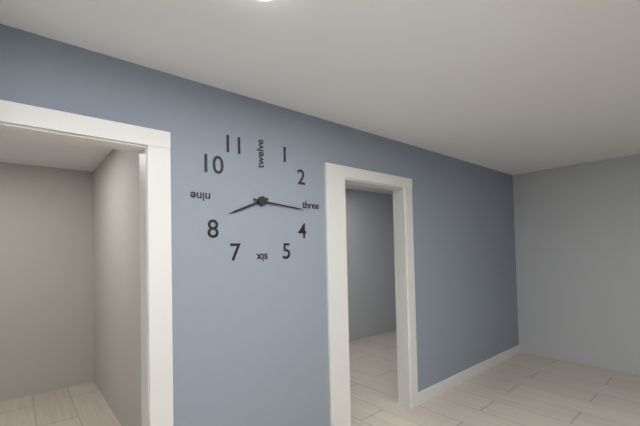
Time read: **8:16**
